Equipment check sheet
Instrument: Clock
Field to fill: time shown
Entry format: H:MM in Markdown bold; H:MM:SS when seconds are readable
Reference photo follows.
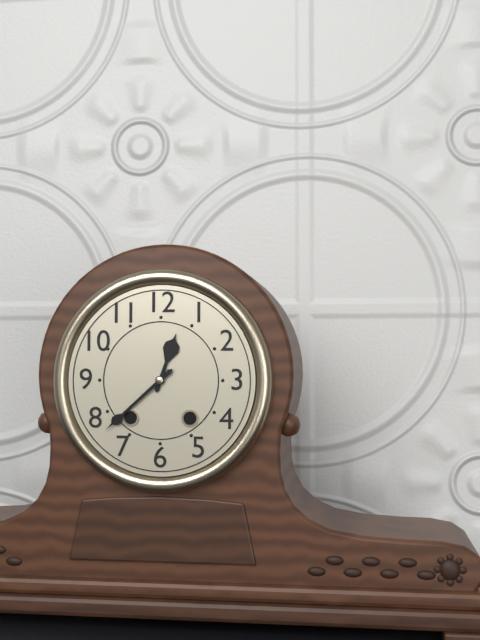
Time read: **12:38**
